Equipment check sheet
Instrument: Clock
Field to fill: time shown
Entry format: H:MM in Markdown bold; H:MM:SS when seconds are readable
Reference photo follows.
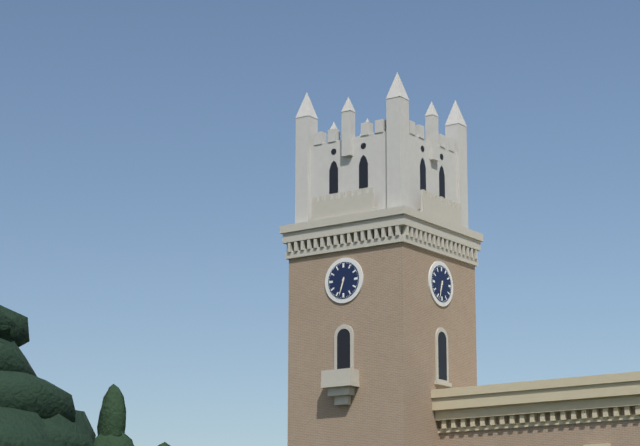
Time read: **6:33**
